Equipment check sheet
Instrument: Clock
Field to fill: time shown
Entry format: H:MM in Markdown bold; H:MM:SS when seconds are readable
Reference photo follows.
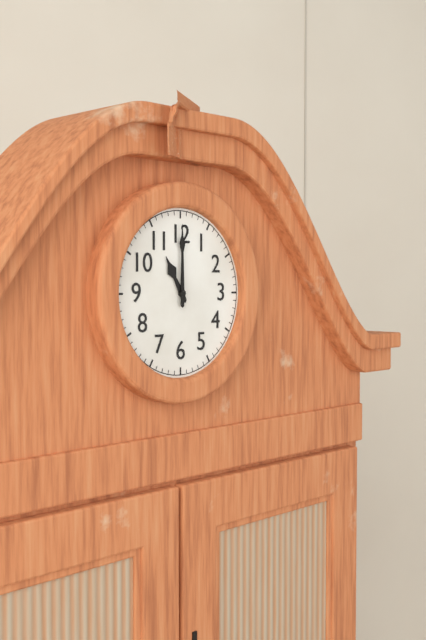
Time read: **11:00**
